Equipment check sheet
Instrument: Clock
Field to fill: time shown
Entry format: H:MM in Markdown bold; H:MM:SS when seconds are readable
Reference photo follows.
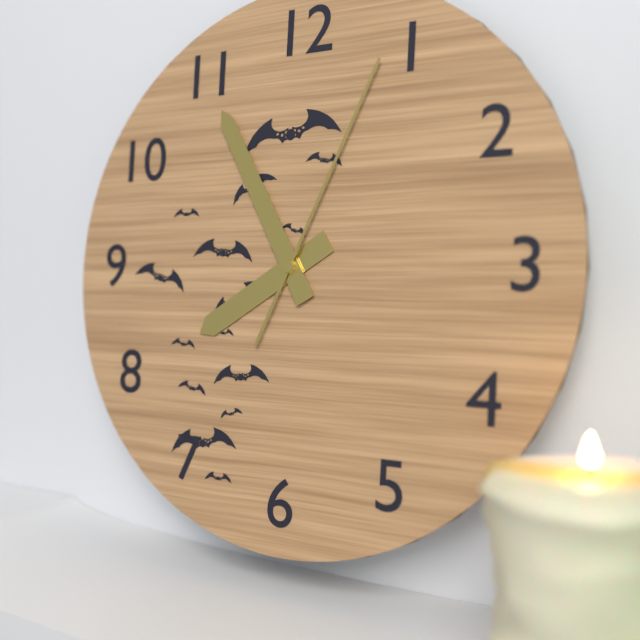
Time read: **7:55:04**
